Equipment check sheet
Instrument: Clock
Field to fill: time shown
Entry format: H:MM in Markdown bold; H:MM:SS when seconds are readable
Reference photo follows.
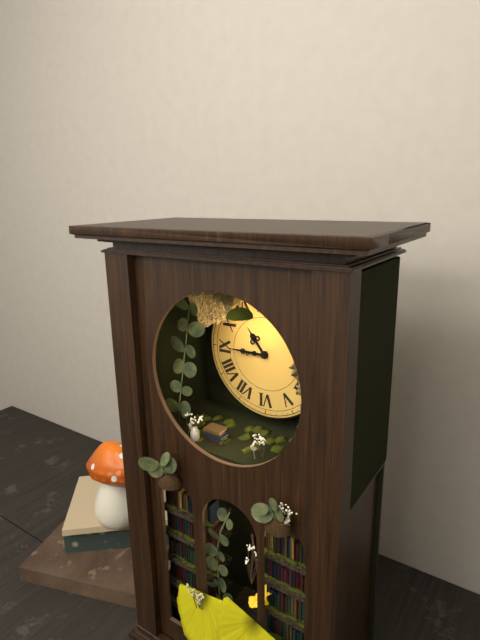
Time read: **10:45**
